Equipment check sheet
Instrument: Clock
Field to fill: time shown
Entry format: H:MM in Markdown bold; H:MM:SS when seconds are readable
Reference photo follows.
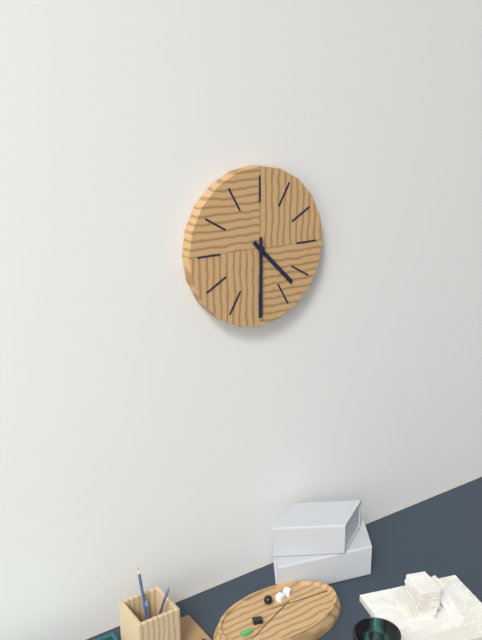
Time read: **4:30**
